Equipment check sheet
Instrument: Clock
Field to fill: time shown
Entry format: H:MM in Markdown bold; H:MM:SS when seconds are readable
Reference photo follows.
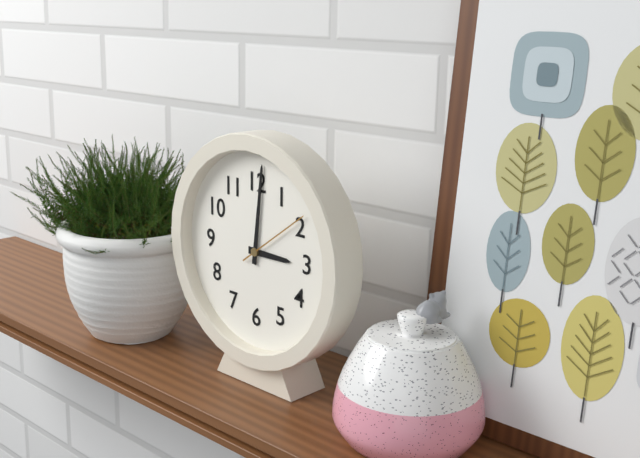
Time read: **3:01:09**
